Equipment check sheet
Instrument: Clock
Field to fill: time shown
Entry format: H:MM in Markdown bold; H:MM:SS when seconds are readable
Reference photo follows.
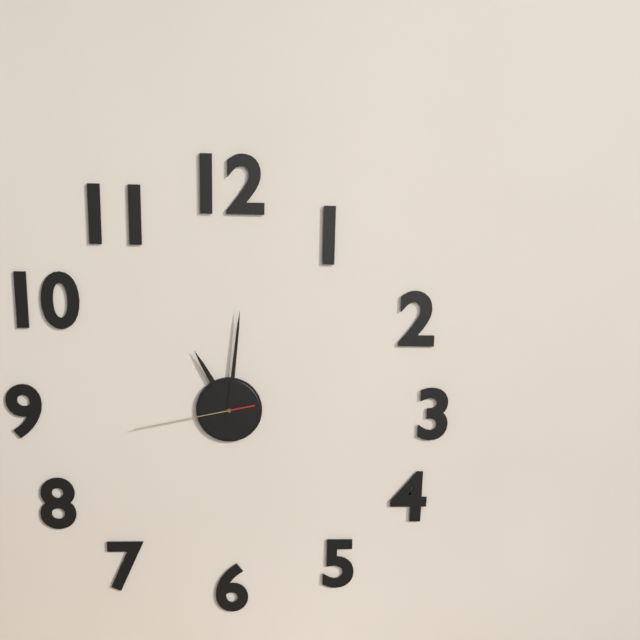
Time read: **11:01:43**
